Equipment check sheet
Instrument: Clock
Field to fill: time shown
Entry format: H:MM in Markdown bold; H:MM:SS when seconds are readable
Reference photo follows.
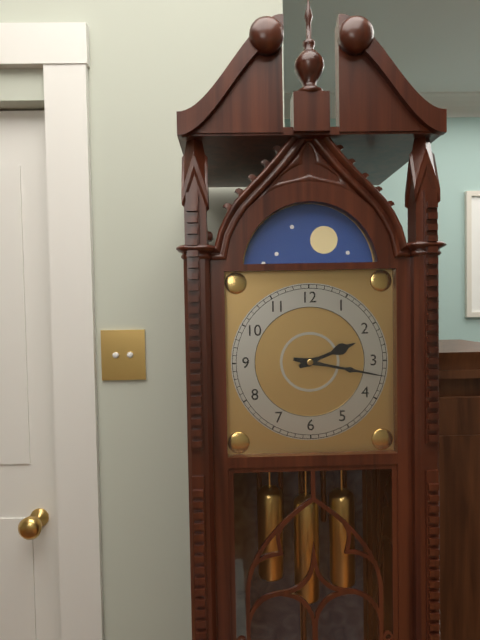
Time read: **2:17**
